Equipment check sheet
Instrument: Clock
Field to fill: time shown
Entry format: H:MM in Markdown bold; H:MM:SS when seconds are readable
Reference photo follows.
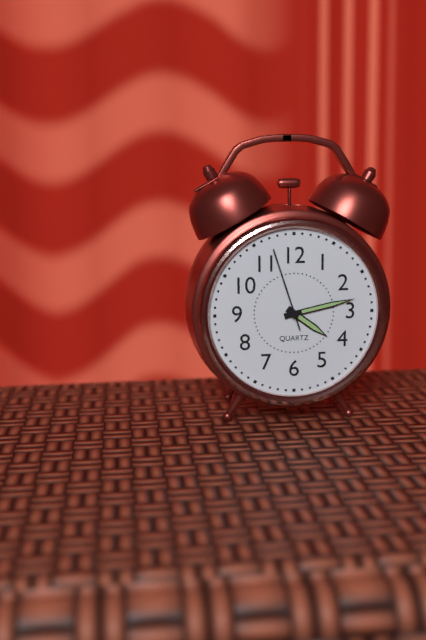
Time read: **4:13:57**
